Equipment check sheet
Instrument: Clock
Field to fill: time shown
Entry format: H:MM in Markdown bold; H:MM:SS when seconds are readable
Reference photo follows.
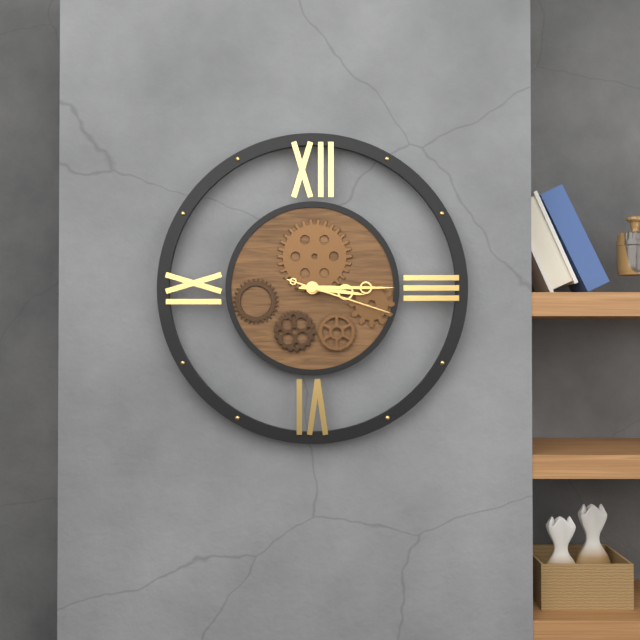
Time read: **3:15:18**
